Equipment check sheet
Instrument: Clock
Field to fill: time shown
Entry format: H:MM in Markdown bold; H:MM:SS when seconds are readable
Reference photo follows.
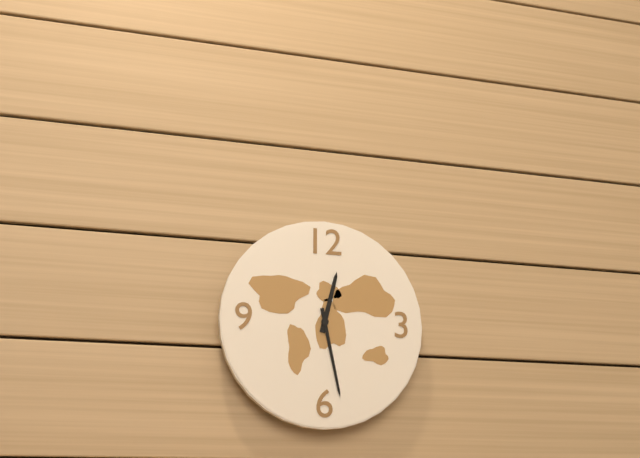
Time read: **12:28**
